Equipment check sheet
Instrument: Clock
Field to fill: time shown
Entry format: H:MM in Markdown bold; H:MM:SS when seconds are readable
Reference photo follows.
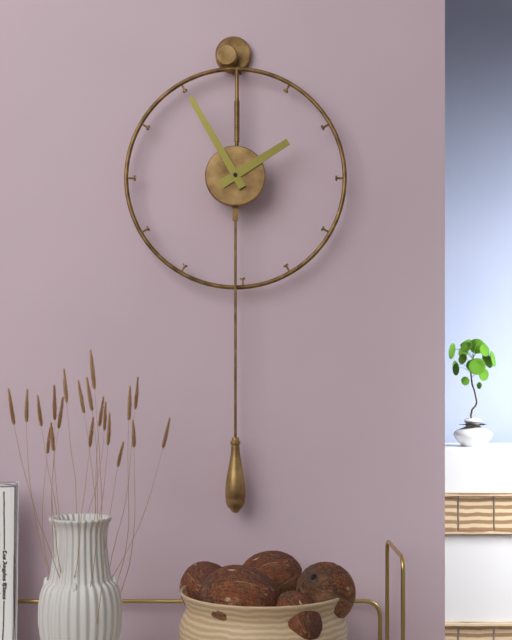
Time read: **1:55**
